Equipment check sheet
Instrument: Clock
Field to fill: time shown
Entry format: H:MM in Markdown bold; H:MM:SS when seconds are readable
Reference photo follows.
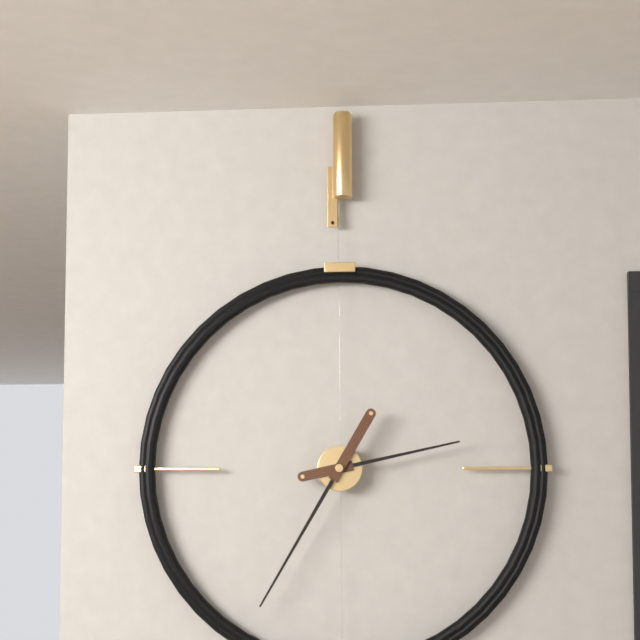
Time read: **2:35**
